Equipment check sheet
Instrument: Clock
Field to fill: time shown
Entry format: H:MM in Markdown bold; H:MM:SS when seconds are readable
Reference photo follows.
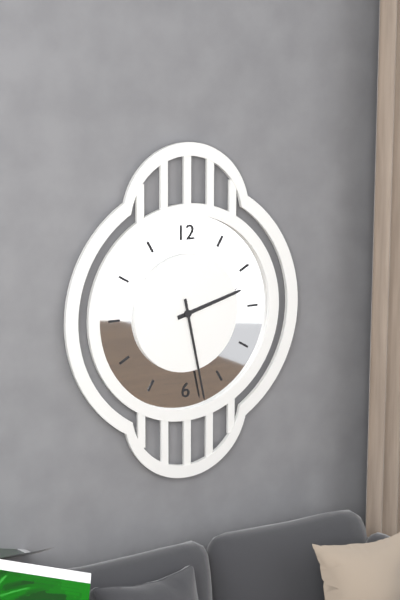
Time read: **2:28**
